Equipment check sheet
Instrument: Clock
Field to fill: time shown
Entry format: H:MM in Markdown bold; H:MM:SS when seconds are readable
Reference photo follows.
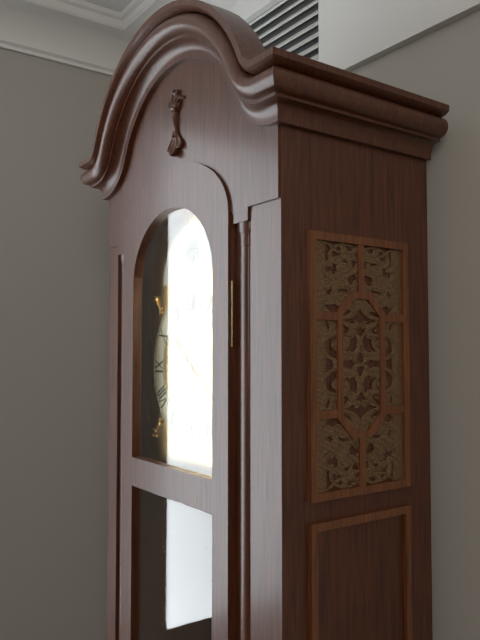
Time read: **10:21**
